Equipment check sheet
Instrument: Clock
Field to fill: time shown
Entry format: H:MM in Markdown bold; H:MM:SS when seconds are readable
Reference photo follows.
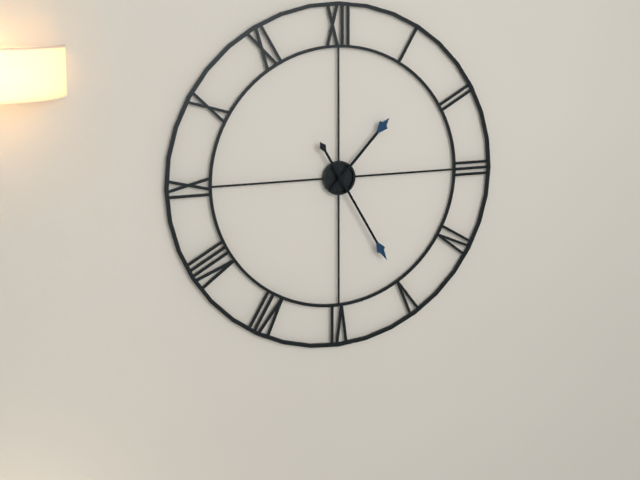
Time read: **1:25**
